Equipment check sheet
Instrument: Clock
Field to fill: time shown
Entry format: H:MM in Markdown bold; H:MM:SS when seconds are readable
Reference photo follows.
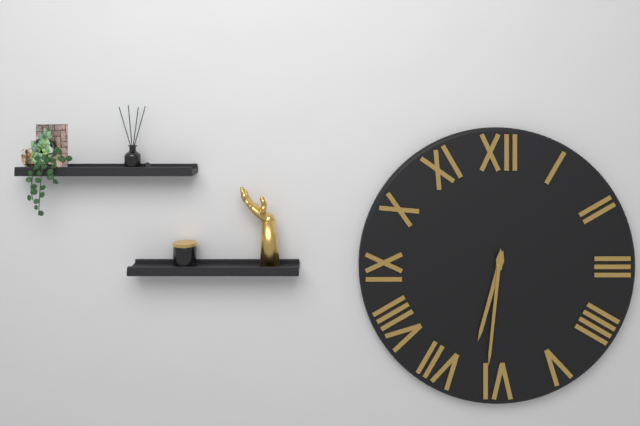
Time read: **6:31**
